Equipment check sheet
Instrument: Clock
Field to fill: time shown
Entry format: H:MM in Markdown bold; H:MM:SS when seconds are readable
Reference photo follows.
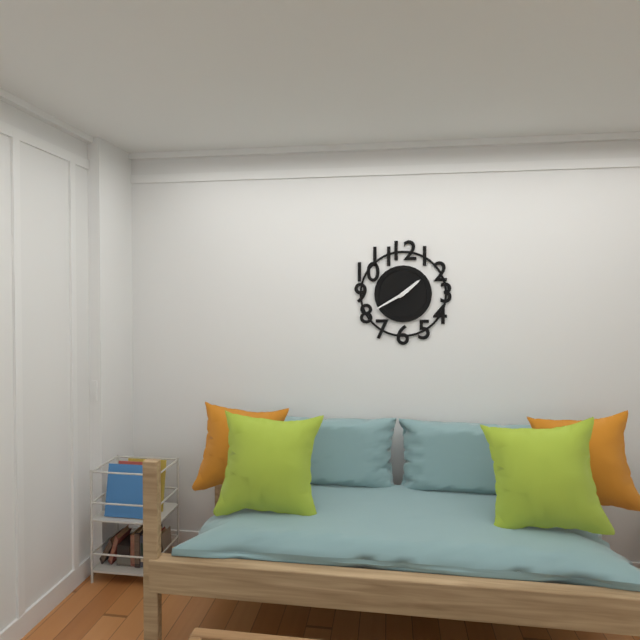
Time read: **1:40**
